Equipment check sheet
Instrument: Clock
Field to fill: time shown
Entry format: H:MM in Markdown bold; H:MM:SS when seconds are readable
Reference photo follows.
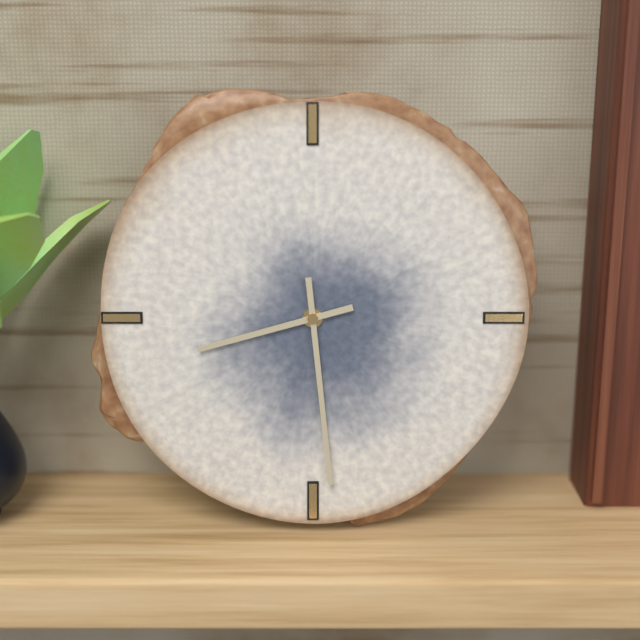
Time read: **8:29**
